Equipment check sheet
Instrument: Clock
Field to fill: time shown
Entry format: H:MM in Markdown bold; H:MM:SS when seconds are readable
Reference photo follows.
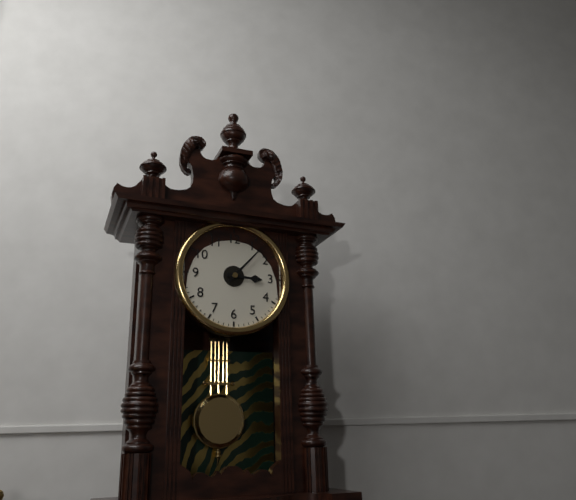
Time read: **3:07**
